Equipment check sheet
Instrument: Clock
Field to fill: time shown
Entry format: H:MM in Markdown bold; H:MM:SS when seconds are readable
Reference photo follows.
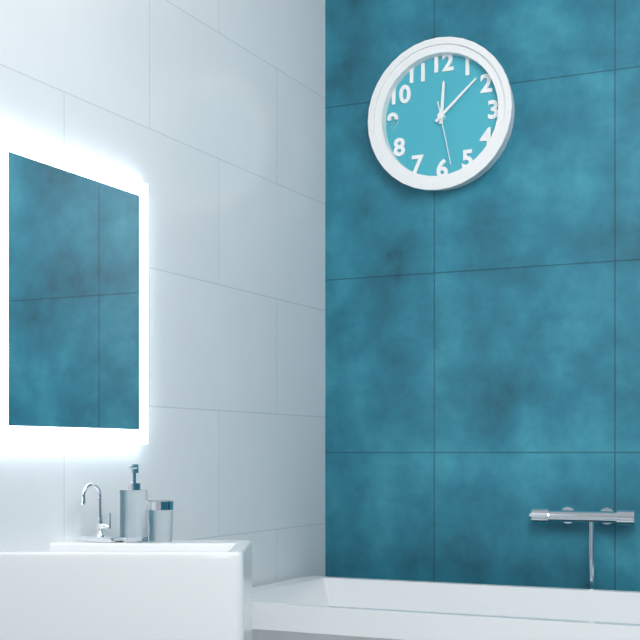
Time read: **12:08:28**
